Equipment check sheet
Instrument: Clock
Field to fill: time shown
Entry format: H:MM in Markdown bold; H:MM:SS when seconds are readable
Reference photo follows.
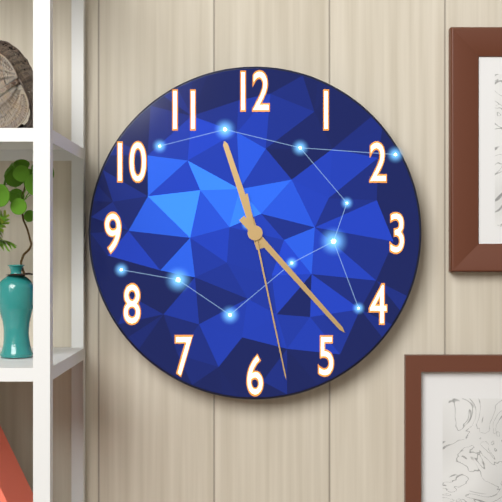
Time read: **11:23:28**
